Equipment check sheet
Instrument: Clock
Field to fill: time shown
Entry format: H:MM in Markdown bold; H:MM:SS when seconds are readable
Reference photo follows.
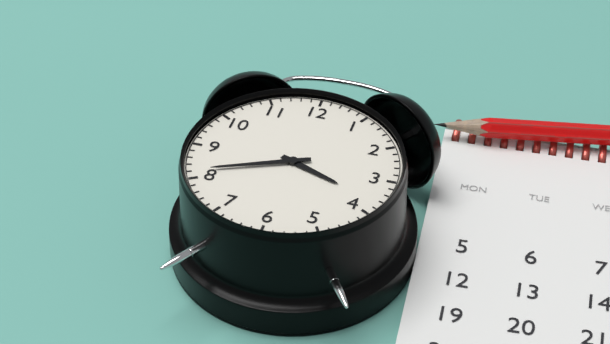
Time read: **3:41**
